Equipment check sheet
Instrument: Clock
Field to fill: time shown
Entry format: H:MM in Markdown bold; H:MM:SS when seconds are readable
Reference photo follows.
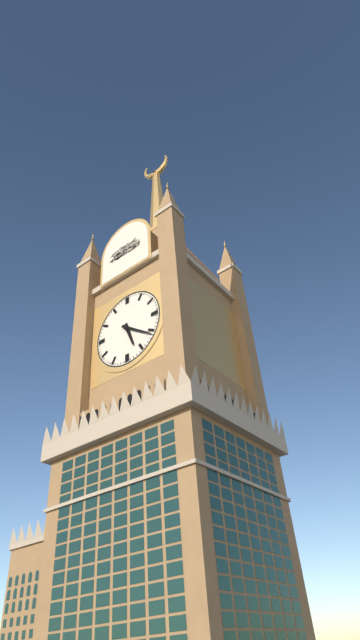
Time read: **5:21**
